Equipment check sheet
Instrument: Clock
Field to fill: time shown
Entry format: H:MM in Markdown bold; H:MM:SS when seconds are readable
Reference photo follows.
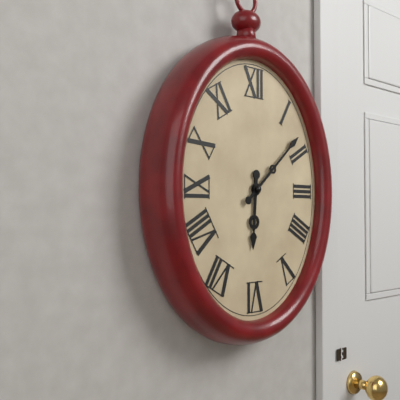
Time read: **6:08**
